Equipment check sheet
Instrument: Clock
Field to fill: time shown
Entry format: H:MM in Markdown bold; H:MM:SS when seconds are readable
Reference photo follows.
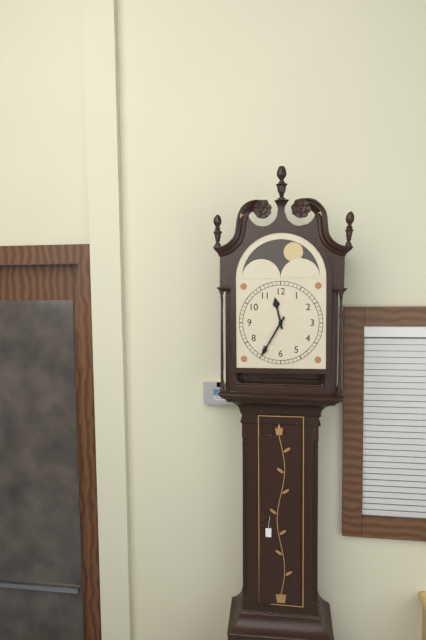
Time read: **11:35**
